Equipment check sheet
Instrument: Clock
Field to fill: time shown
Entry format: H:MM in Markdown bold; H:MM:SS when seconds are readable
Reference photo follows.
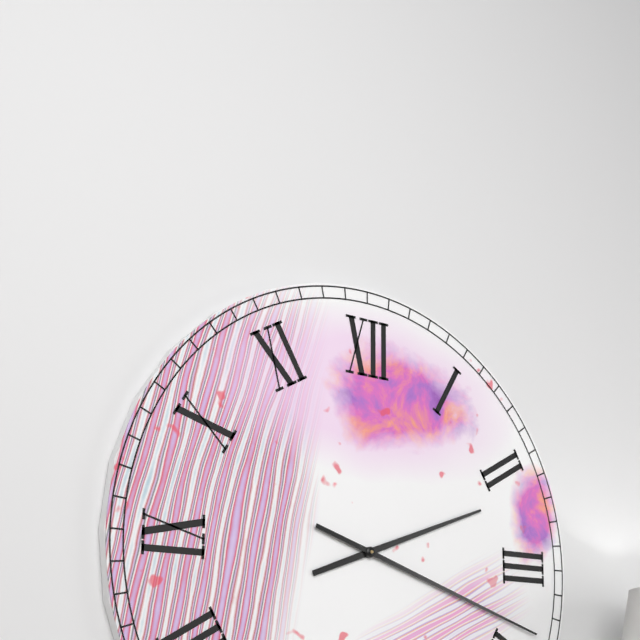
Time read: **2:18**
